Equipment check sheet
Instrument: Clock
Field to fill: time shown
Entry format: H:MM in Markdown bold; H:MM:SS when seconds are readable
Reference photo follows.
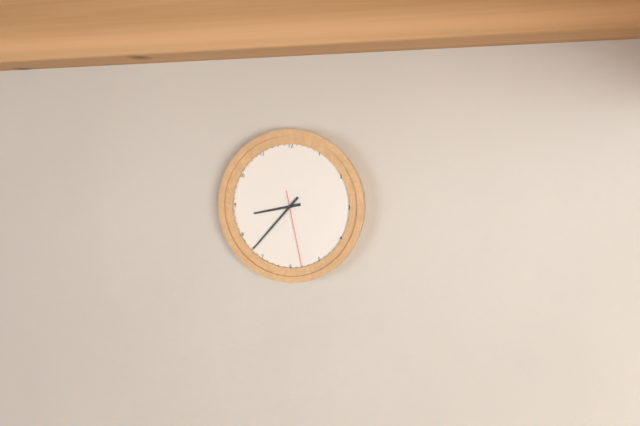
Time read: **8:37:28**
